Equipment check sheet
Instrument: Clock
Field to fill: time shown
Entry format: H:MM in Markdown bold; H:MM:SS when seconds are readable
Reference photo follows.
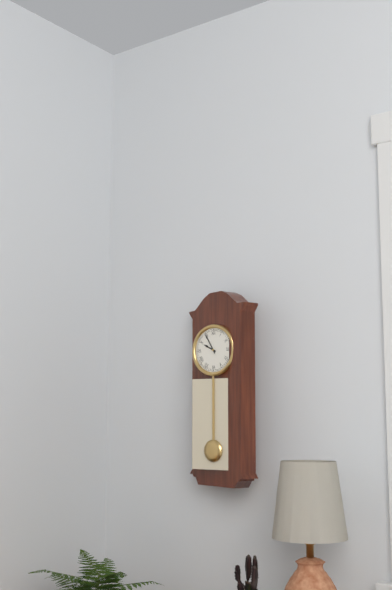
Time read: **9:55**
